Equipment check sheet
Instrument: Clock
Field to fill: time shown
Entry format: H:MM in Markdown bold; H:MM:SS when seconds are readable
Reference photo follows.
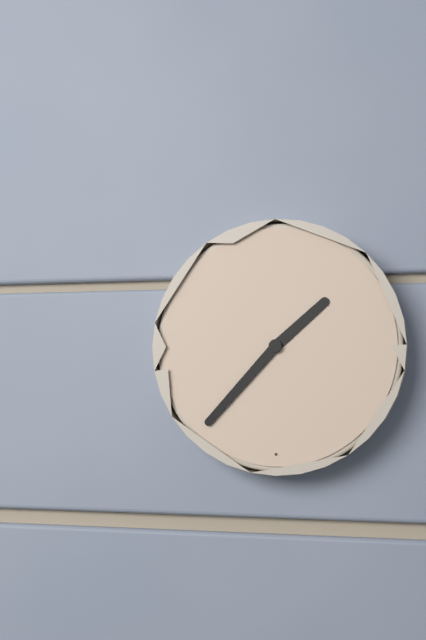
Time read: **1:37**
